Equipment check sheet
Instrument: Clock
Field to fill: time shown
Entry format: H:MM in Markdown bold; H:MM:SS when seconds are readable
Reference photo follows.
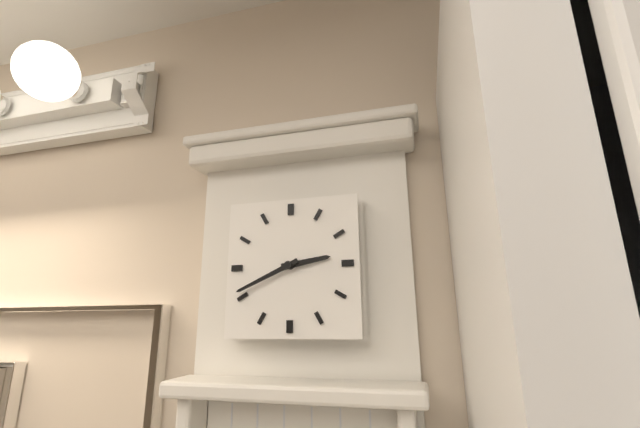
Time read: **2:41**
